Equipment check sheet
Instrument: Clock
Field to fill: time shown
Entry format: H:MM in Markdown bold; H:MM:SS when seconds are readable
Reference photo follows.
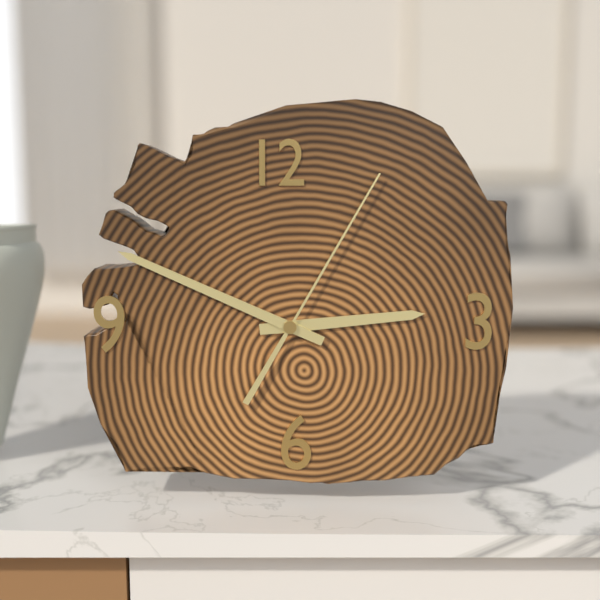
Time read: **2:49:05**
